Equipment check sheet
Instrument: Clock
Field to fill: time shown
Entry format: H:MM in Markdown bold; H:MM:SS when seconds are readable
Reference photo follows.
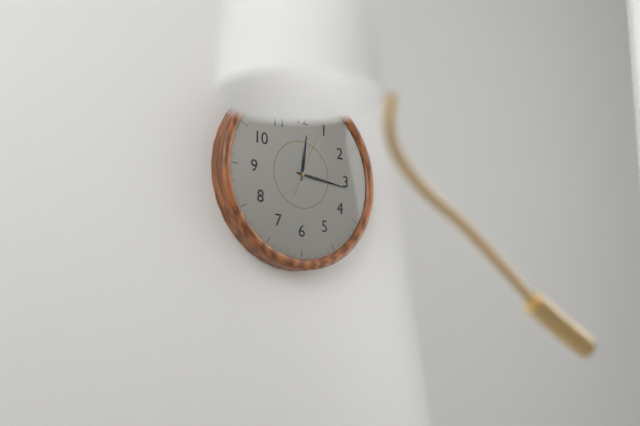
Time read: **12:16:04**
